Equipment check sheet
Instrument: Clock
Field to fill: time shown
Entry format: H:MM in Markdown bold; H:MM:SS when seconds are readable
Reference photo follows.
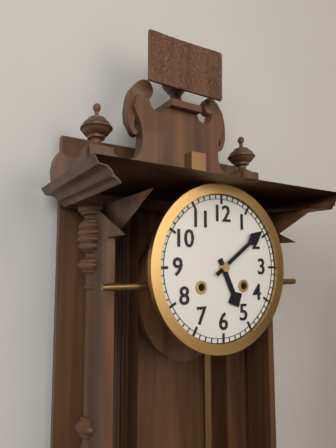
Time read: **5:09**
